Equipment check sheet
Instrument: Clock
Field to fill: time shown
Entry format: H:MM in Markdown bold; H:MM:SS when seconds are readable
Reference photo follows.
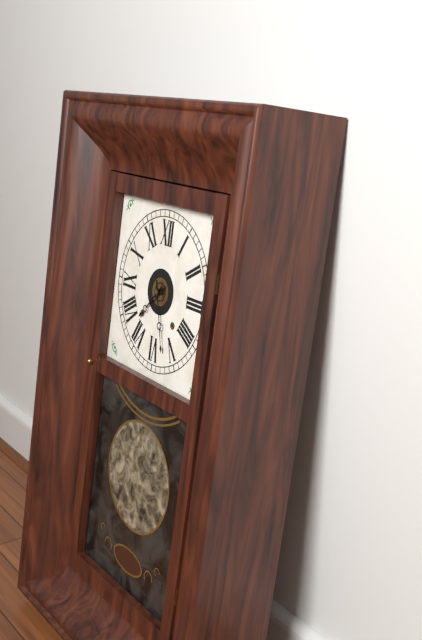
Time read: **7:27**
